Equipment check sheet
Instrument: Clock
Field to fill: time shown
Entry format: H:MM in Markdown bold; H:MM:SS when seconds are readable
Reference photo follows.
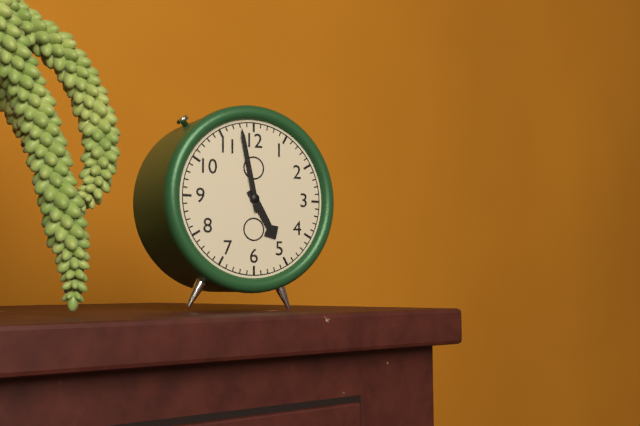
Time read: **4:58**
